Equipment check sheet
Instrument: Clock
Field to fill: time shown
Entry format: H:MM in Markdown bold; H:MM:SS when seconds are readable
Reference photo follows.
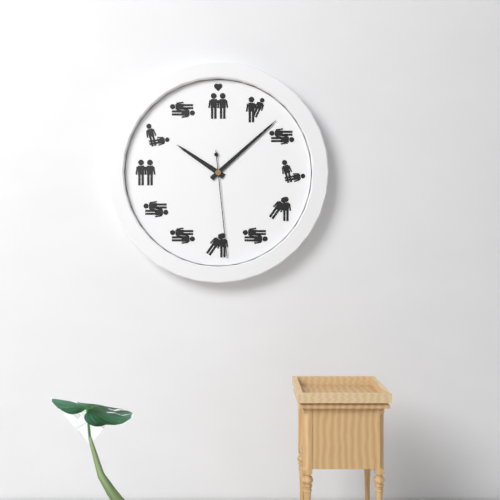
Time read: **10:08:29**
